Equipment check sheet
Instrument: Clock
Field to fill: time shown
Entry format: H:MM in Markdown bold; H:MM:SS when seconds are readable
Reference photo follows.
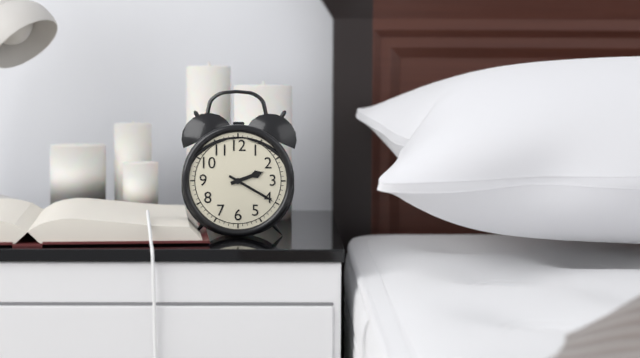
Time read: **2:20**
